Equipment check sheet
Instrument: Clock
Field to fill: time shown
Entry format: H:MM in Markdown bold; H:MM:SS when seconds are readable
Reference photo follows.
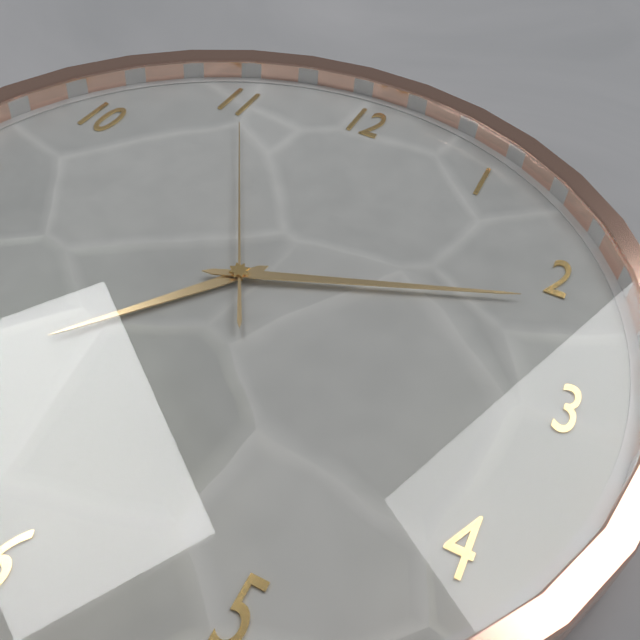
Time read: **7:11:55**
